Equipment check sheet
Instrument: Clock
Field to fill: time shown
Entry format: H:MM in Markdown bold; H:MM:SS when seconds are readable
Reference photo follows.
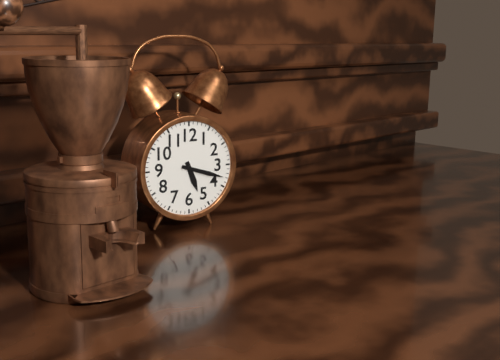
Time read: **5:18**
